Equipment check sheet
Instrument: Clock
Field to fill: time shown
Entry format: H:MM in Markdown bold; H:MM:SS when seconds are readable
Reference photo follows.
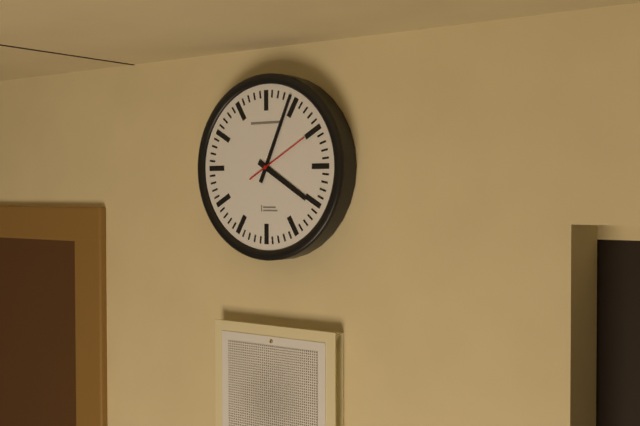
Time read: **4:04:10**
